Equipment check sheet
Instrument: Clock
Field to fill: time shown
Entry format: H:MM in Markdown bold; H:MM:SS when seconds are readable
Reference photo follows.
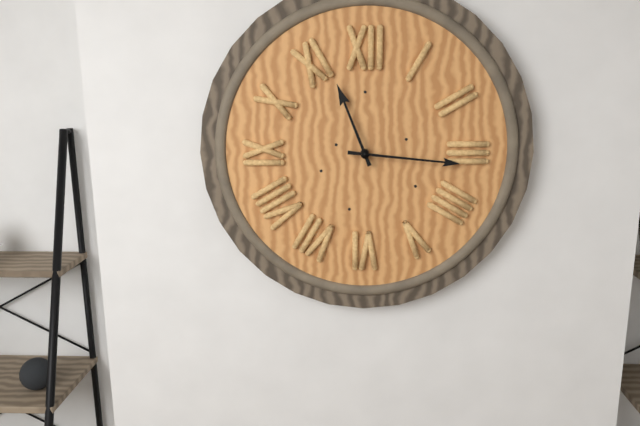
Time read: **11:16**
